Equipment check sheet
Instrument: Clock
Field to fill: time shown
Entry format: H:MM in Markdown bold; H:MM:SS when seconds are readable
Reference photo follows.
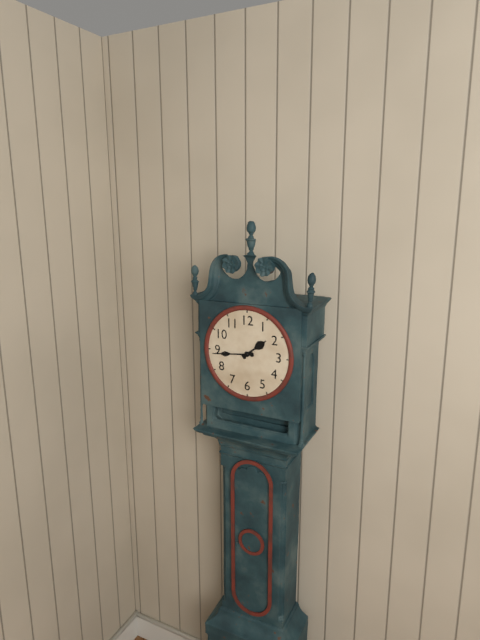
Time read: **1:44**
